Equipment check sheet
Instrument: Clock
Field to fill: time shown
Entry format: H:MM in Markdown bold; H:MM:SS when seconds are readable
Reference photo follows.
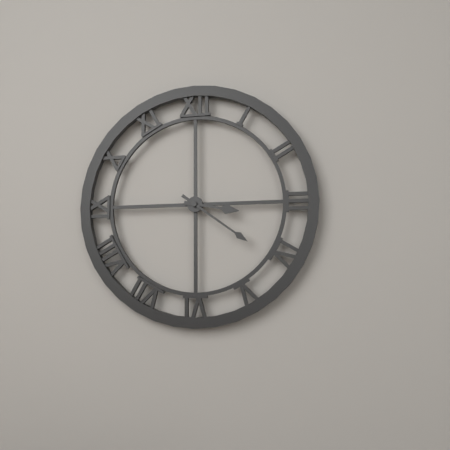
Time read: **3:21**
